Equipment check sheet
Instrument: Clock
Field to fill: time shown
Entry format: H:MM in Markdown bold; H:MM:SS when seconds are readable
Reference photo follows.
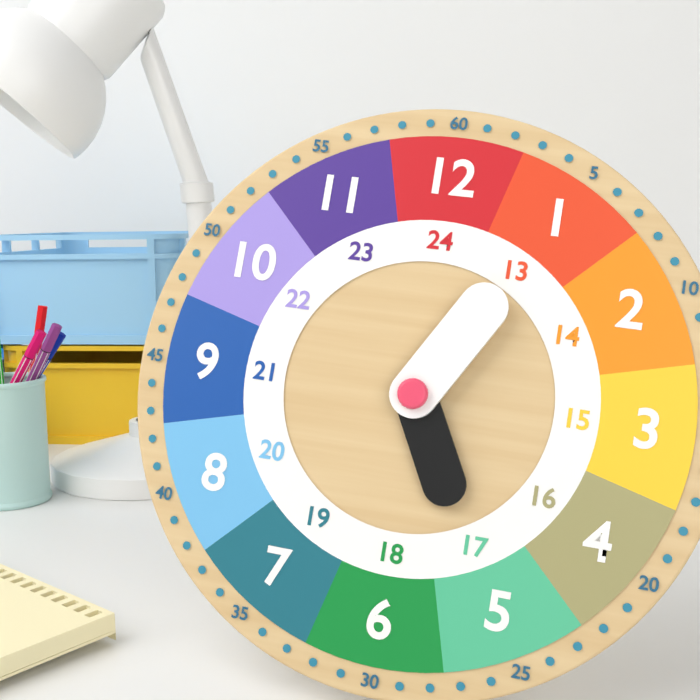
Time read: **5:05**
